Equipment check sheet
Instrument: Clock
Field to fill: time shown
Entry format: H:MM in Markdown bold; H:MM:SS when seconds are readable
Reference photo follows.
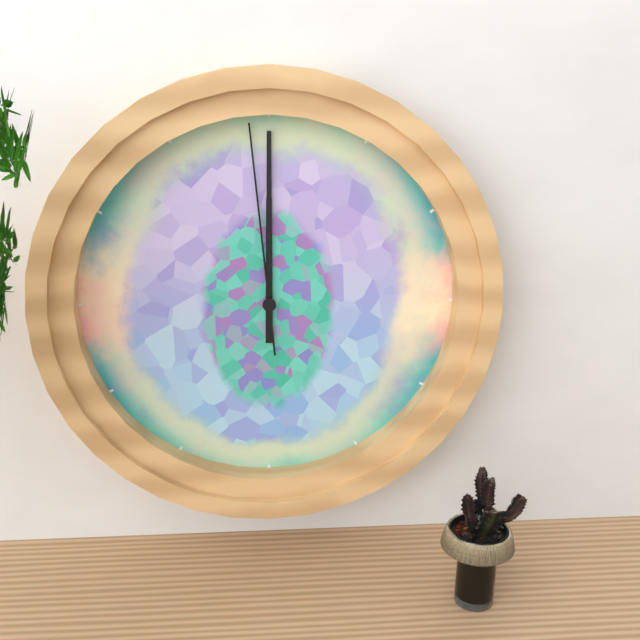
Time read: **12:00:59**
